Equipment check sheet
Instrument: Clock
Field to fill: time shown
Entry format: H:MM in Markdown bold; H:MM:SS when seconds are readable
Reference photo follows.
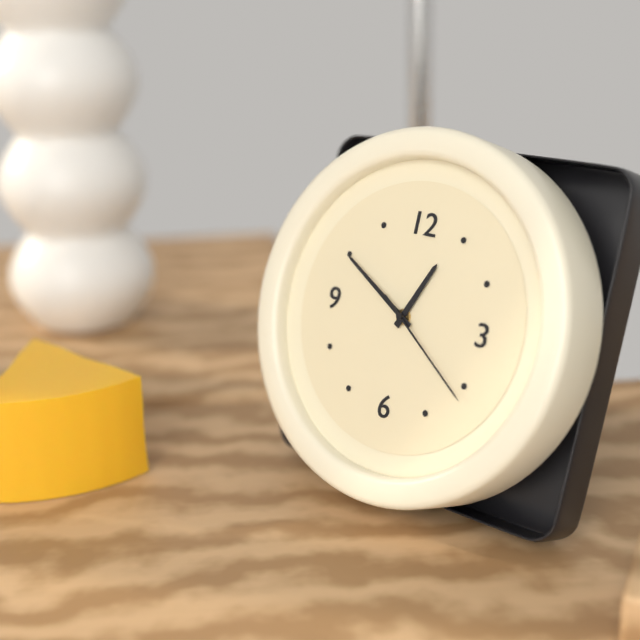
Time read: **12:50:21**
